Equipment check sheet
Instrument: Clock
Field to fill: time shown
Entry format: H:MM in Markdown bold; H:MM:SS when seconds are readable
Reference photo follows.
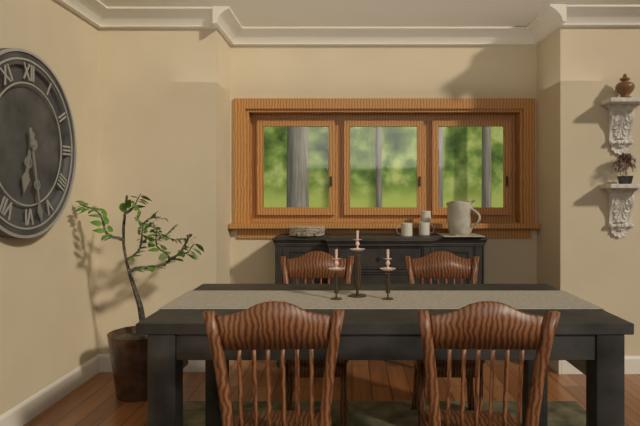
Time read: **6:28**
